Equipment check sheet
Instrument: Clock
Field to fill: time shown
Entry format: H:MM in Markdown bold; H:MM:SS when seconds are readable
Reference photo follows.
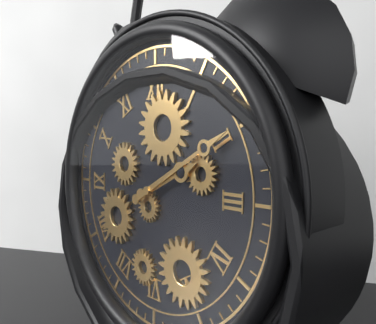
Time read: **2:10**
